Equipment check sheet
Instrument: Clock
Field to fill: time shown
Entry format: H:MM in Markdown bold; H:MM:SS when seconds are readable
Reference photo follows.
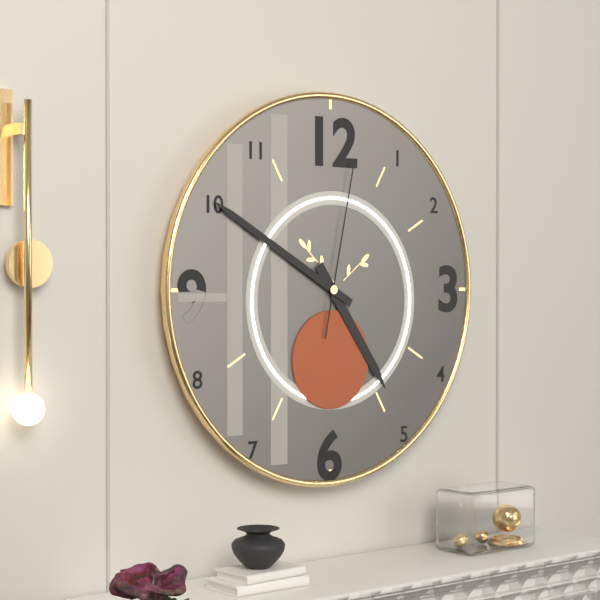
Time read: **4:50:02**
